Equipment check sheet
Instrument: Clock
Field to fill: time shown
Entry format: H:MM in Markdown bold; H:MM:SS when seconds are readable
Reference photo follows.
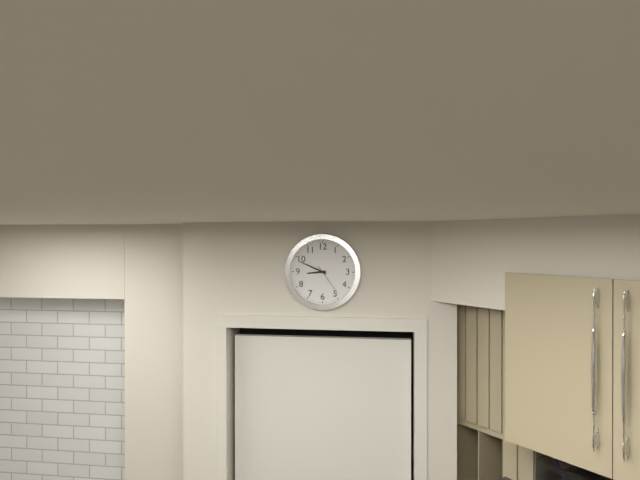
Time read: **8:49**
